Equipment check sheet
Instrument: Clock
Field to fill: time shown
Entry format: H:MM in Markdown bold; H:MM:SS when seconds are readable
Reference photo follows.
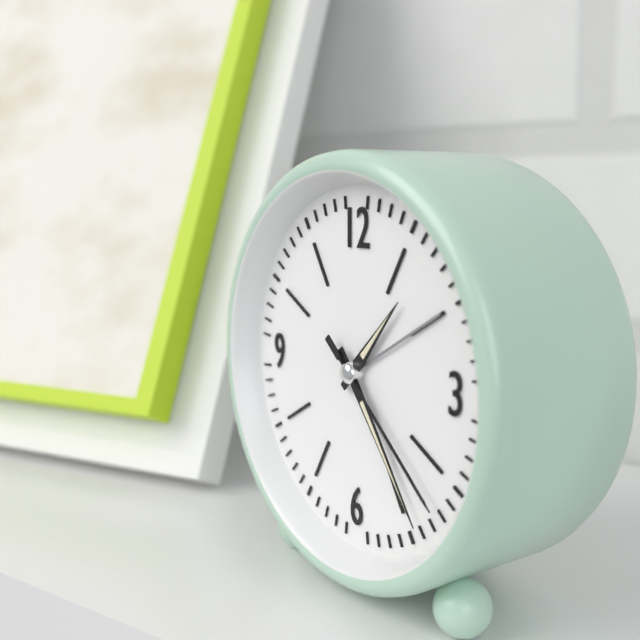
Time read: **1:24:22**
